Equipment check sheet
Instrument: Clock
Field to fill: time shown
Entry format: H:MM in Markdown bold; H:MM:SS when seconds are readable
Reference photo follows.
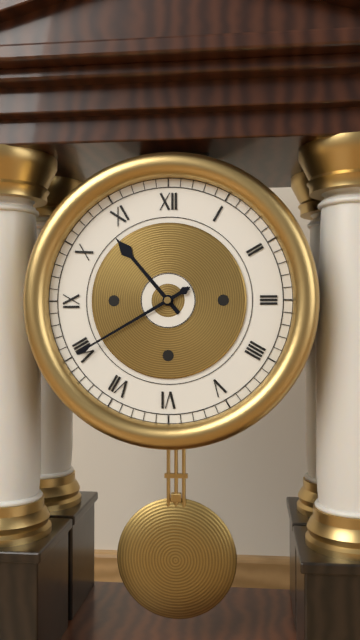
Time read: **10:40**
